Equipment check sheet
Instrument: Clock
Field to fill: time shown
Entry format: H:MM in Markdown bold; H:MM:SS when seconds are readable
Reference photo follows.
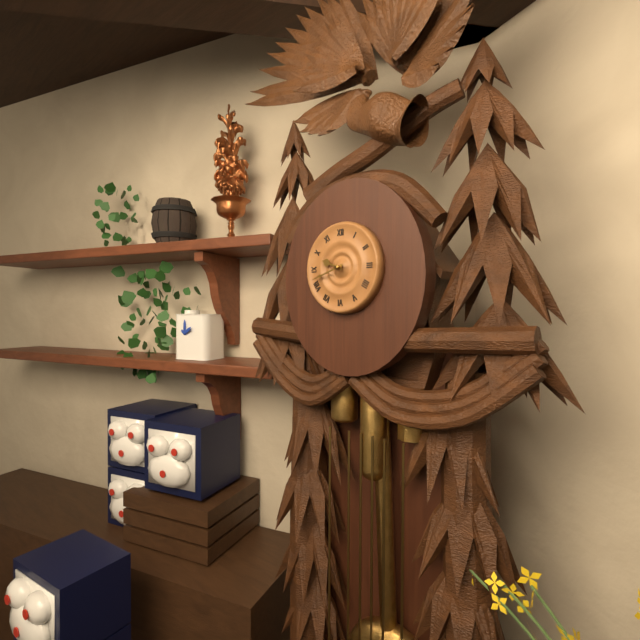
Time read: **9:42**
